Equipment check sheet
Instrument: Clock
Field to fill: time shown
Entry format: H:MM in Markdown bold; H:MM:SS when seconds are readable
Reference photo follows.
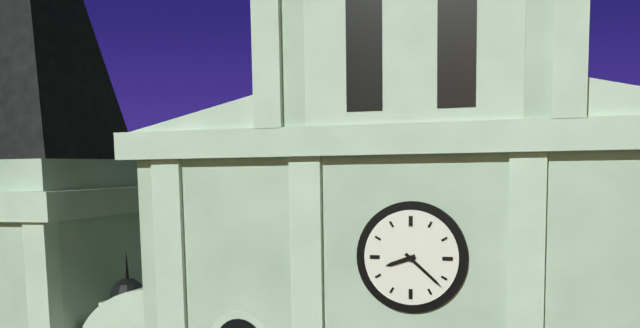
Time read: **8:22**
